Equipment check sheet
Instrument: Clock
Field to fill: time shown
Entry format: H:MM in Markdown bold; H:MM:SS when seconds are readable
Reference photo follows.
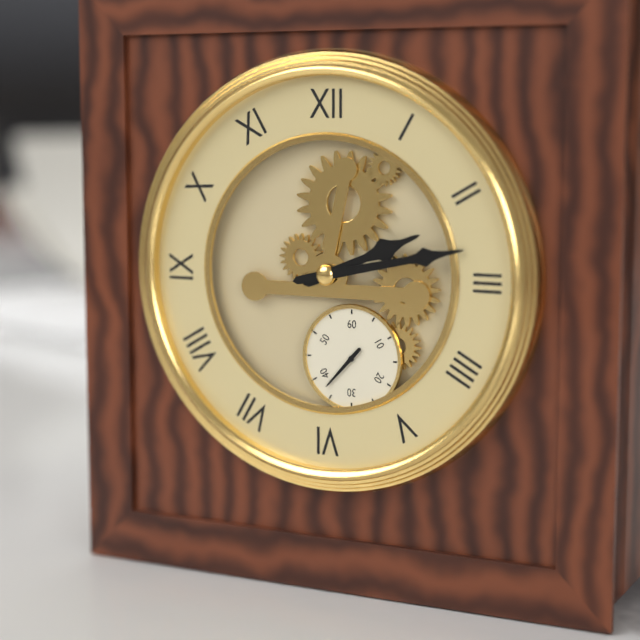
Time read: **2:13**
